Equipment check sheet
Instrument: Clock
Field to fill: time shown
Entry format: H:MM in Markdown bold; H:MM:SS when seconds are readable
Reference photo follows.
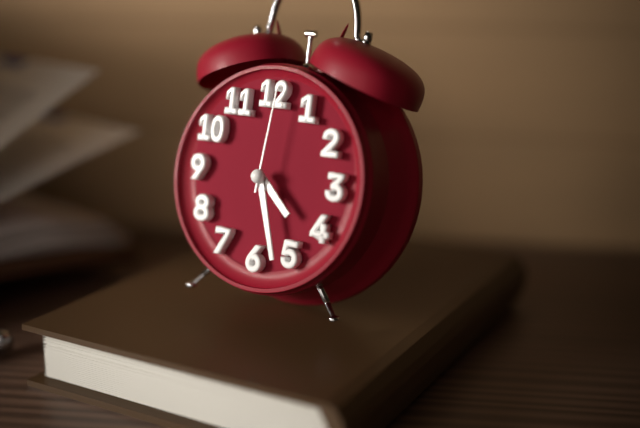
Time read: **4:27:01**
